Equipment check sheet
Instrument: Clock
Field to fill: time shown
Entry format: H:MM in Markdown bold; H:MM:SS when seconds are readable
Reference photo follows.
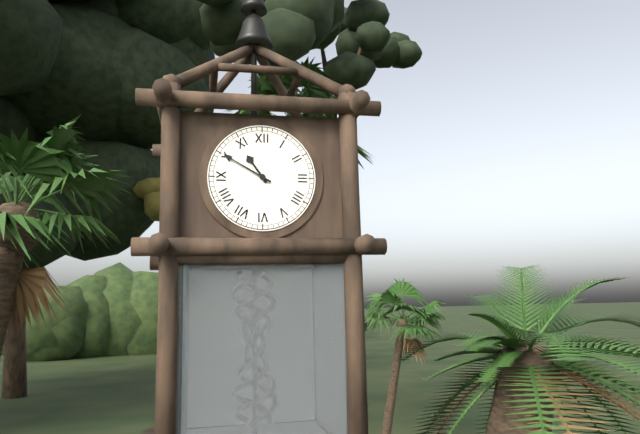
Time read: **10:50**
